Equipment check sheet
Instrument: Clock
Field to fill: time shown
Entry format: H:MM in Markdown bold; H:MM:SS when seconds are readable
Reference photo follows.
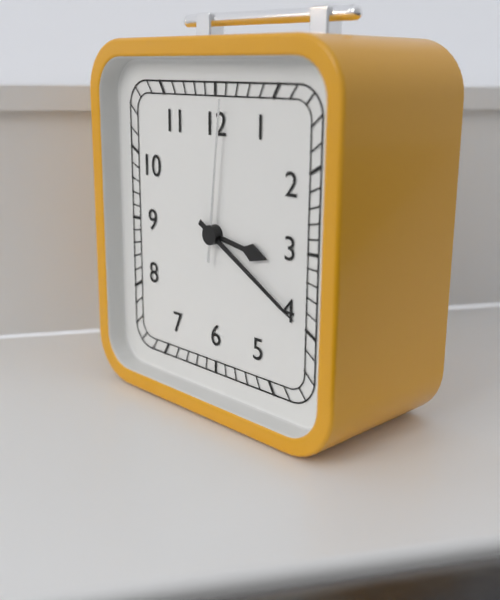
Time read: **3:20:01**
